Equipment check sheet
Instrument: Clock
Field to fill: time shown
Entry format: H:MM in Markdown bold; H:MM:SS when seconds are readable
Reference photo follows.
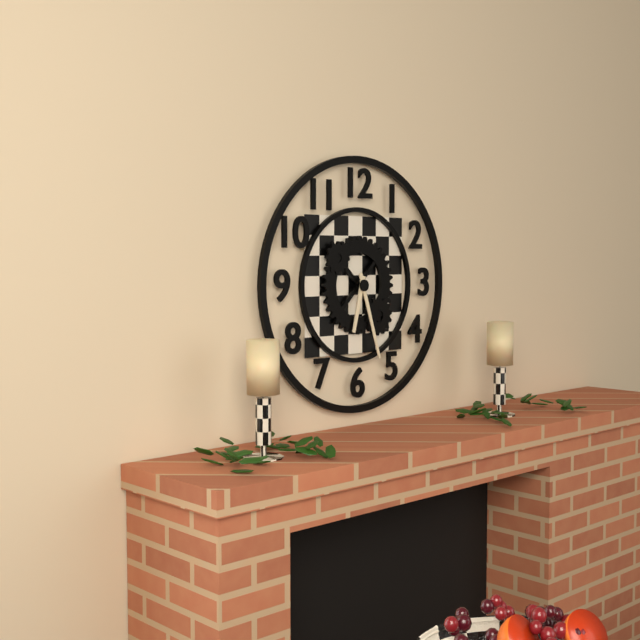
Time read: **6:27**
